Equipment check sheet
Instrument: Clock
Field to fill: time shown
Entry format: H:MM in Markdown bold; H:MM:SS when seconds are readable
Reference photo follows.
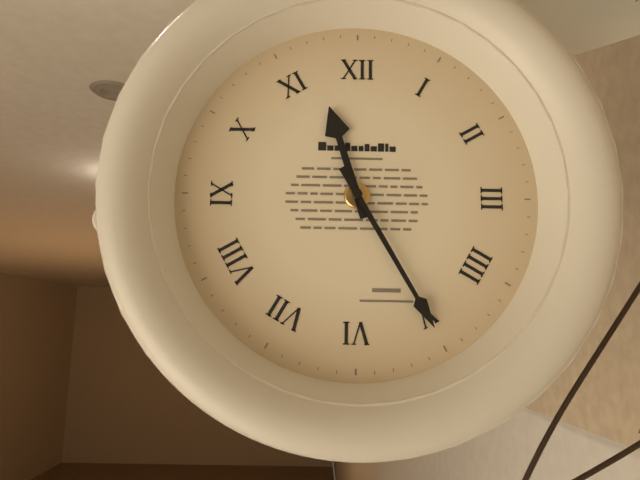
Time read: **11:25**
